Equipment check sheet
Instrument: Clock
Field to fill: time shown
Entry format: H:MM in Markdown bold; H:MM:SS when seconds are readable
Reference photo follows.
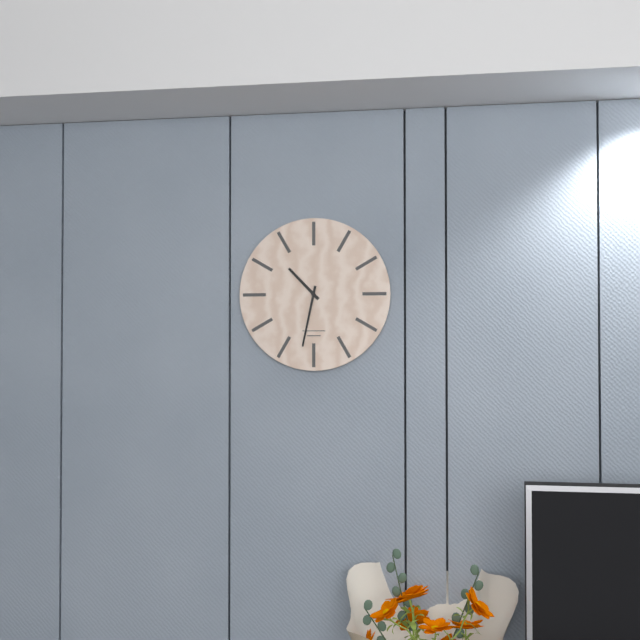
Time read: **10:32**
